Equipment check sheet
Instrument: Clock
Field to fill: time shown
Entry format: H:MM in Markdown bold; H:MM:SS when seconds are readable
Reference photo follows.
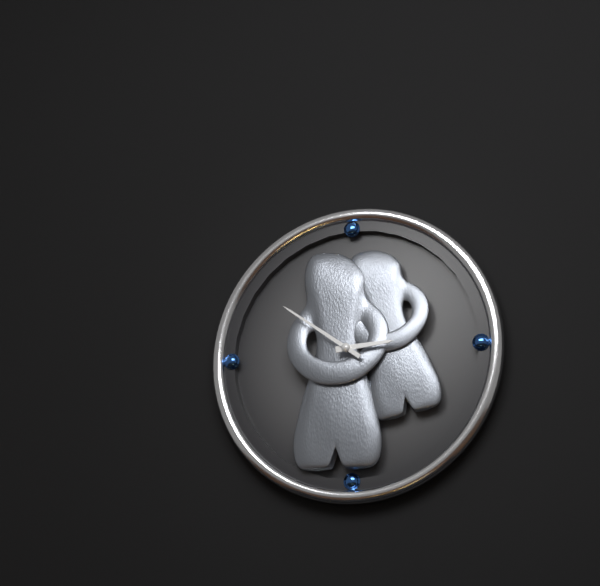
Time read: **2:51**
